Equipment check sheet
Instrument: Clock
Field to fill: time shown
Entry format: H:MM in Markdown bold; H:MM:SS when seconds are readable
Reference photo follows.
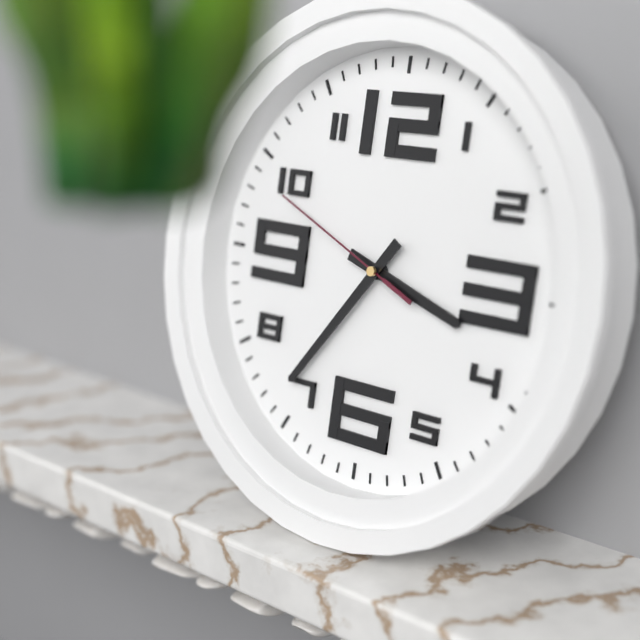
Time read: **3:36:49**
